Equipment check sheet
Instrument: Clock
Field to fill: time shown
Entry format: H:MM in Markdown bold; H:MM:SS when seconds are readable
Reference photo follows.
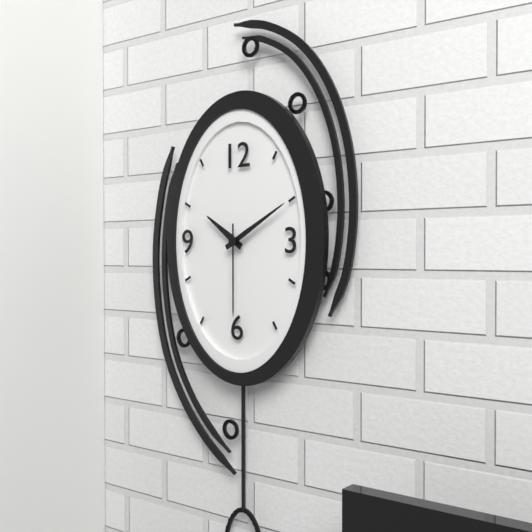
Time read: **10:10:30**
